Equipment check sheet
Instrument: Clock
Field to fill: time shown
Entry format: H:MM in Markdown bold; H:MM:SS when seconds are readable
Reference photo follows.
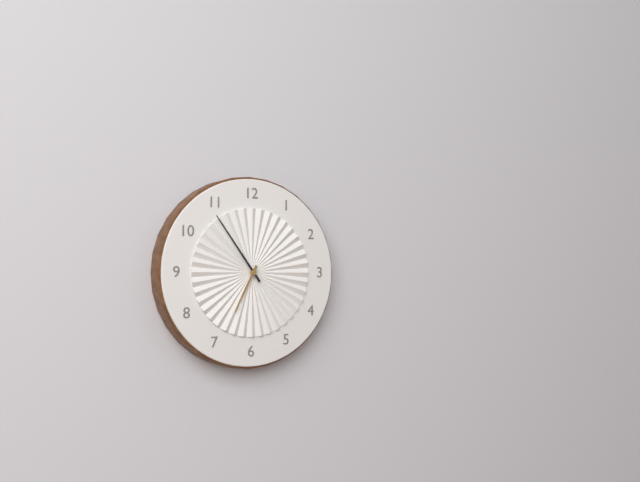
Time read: **6:54**
